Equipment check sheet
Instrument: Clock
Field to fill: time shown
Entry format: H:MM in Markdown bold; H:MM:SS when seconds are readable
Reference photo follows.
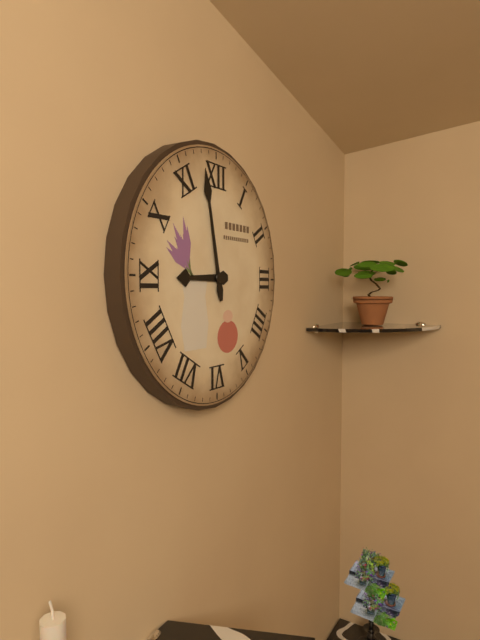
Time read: **8:58**
